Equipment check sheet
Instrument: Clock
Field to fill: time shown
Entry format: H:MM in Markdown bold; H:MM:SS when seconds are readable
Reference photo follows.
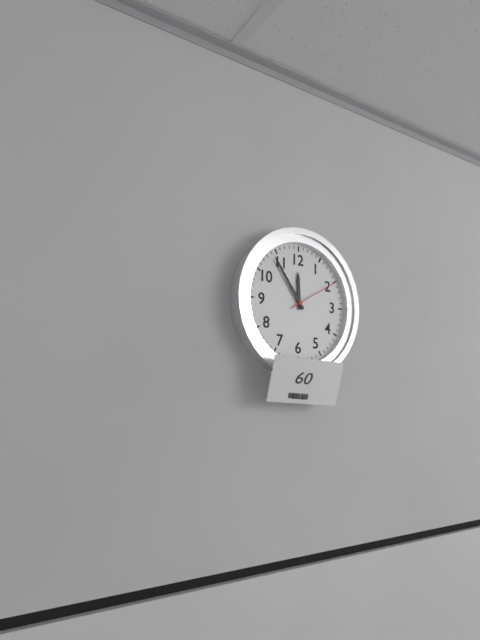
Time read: **11:54:10**
